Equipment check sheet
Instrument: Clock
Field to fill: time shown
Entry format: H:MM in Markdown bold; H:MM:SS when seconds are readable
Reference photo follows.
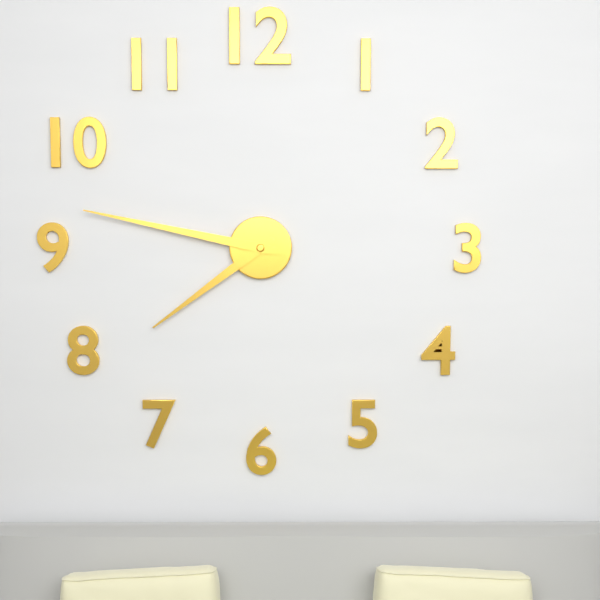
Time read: **7:47**
